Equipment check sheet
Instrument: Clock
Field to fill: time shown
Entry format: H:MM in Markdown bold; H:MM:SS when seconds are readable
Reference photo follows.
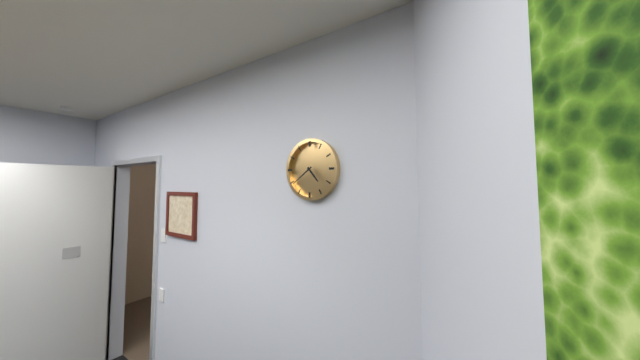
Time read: **4:39**
